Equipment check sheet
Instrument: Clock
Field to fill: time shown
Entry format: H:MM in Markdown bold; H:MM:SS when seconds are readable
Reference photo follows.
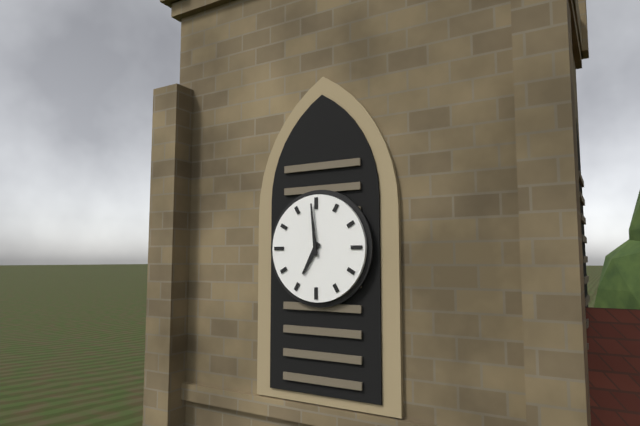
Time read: **6:59**
